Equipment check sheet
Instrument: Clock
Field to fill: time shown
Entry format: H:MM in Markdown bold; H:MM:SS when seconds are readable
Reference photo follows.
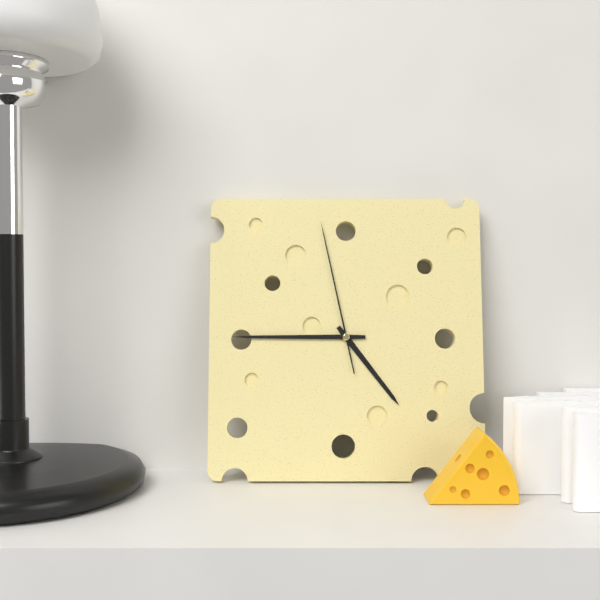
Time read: **4:45:58**
